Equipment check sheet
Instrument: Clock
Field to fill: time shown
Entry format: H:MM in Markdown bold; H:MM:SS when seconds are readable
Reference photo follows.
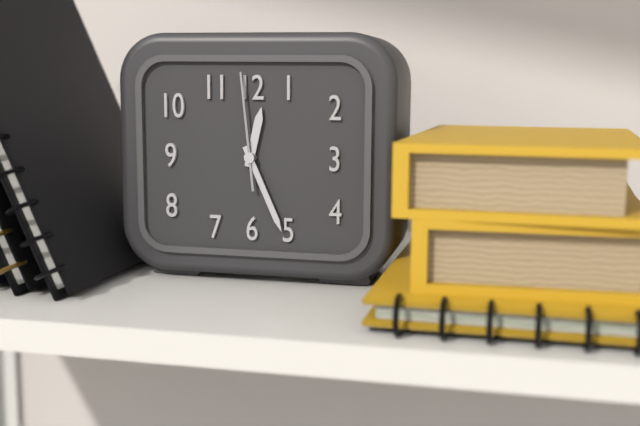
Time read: **12:26:59**
